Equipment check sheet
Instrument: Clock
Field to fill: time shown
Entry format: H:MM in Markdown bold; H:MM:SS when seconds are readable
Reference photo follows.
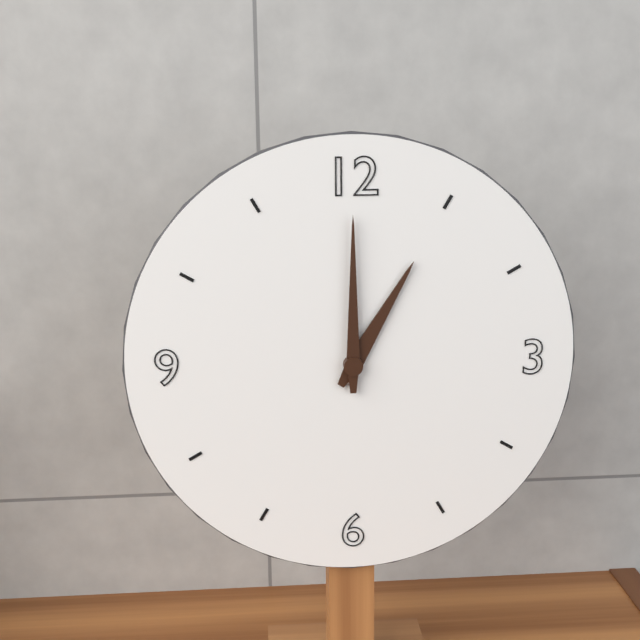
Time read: **1:00**
